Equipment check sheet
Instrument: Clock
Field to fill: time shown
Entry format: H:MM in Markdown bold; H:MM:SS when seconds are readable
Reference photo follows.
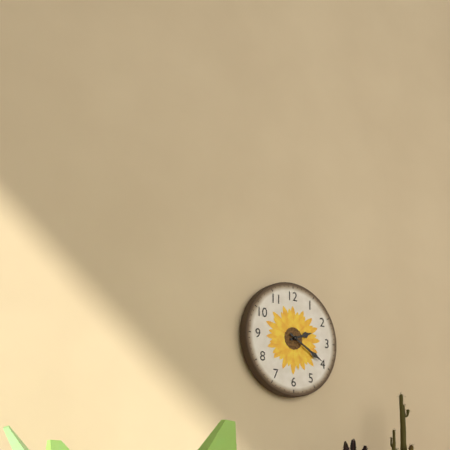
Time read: **2:20**
